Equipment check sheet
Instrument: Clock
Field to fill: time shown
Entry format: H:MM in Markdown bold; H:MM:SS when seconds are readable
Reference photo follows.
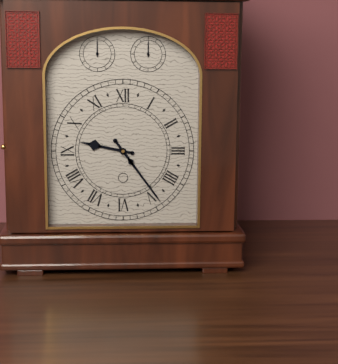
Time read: **9:24**
